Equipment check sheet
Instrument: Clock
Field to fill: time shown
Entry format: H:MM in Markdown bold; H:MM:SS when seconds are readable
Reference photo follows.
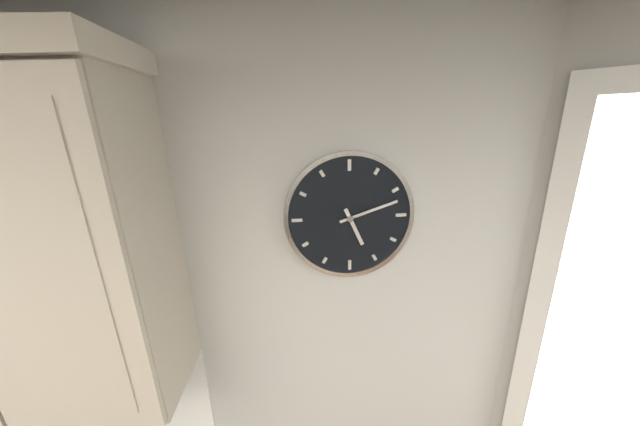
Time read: **5:12**
